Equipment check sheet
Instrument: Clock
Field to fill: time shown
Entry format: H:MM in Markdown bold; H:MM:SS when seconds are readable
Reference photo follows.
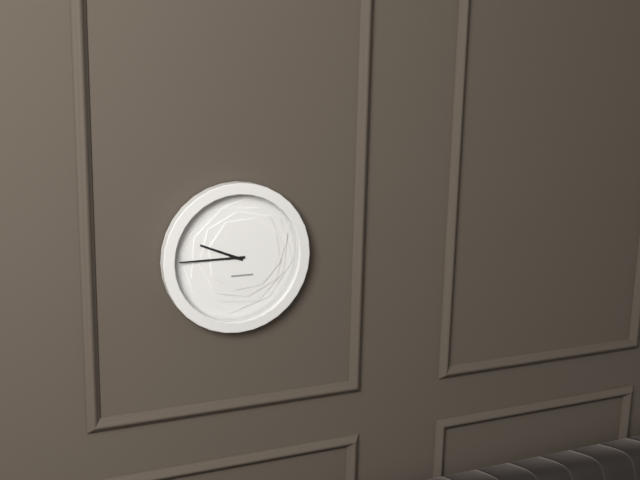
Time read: **9:45**
